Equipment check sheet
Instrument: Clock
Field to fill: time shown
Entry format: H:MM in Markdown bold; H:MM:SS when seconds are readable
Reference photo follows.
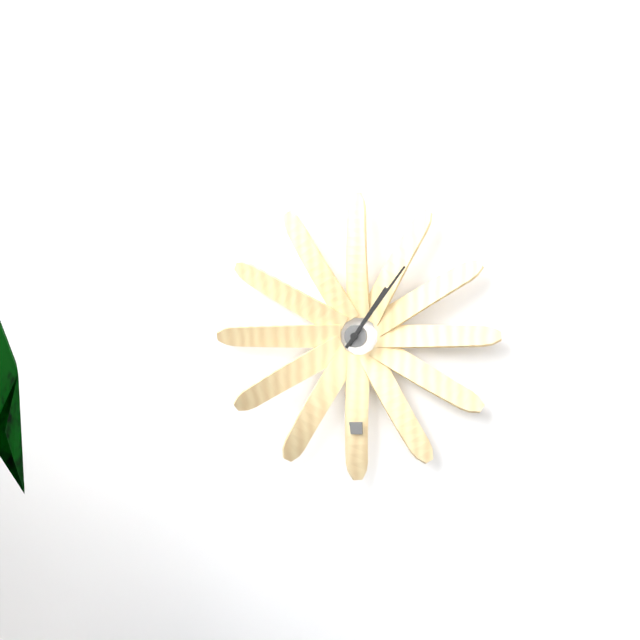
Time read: **1:06**
